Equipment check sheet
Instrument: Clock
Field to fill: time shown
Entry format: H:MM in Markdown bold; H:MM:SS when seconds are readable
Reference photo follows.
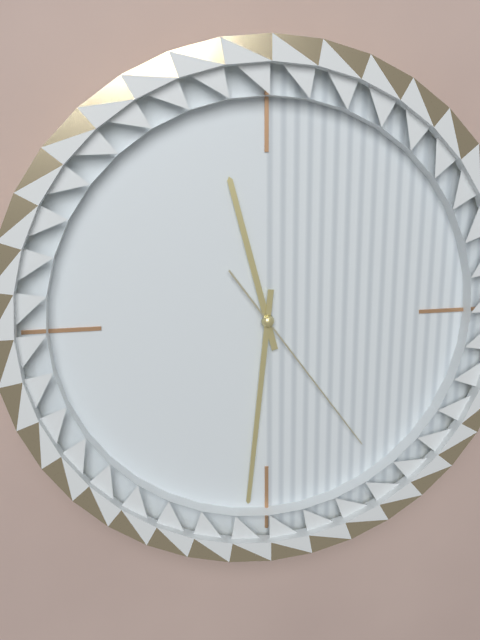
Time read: **11:31:24**
